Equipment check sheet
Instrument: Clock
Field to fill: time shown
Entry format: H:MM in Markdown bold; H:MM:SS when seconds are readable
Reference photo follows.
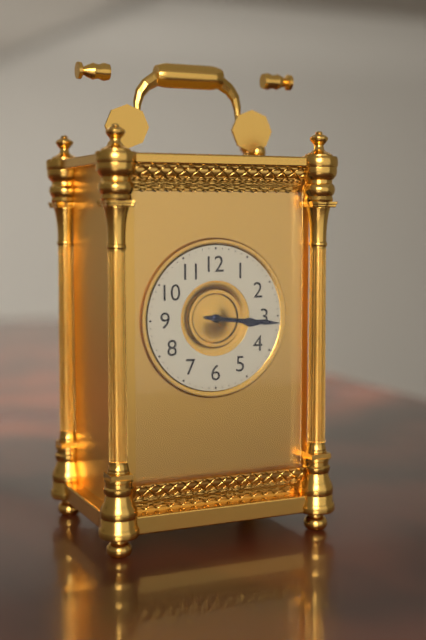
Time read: **3:16**
